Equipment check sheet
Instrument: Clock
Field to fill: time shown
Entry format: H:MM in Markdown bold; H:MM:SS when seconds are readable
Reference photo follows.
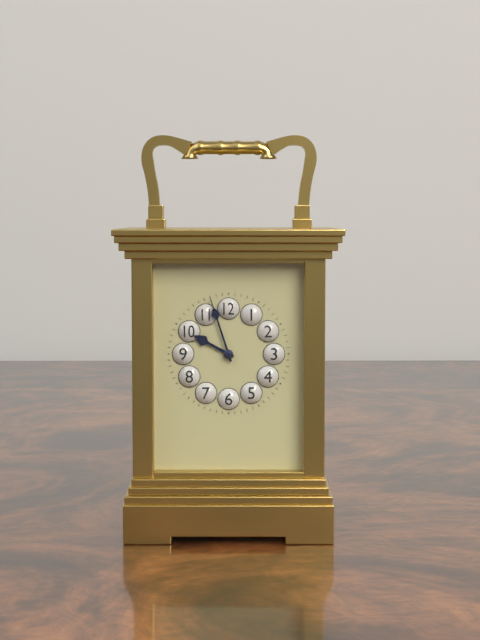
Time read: **9:57**
